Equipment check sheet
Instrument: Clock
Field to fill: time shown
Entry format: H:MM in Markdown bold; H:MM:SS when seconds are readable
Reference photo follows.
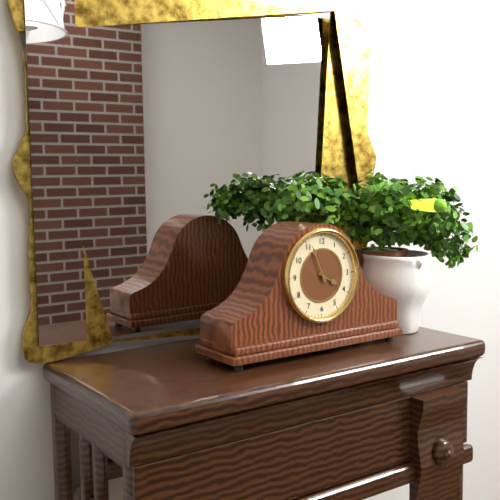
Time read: **3:56**
